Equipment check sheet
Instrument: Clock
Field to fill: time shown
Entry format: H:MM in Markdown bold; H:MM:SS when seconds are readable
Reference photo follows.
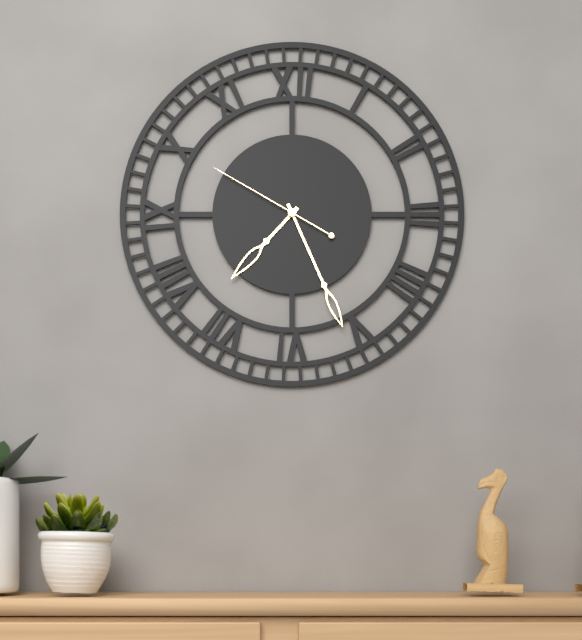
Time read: **7:26:50**
